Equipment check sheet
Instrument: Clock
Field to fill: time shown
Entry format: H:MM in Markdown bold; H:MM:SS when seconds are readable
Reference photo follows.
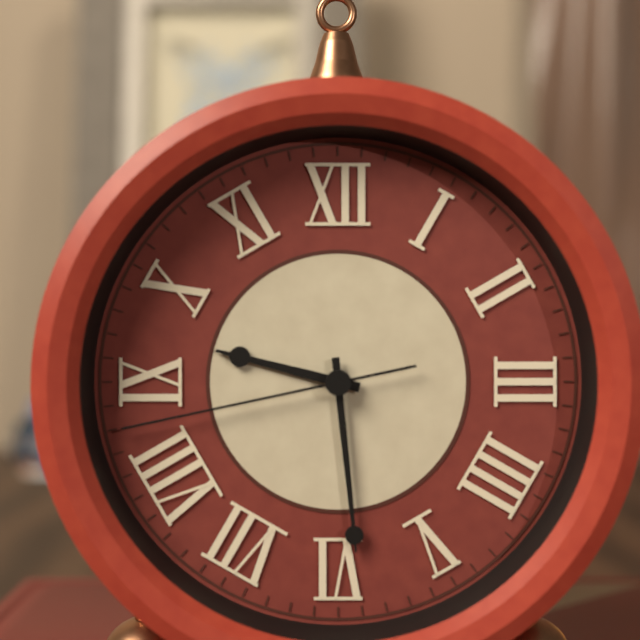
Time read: **9:29:43**
